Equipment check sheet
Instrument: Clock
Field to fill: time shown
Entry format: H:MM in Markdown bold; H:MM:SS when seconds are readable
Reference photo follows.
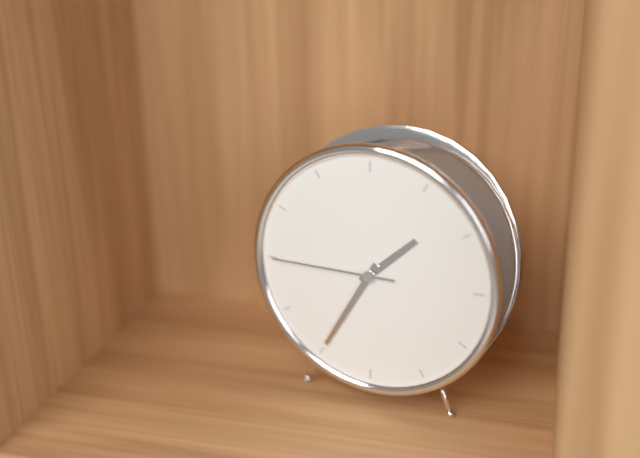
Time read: **1:35:45**
